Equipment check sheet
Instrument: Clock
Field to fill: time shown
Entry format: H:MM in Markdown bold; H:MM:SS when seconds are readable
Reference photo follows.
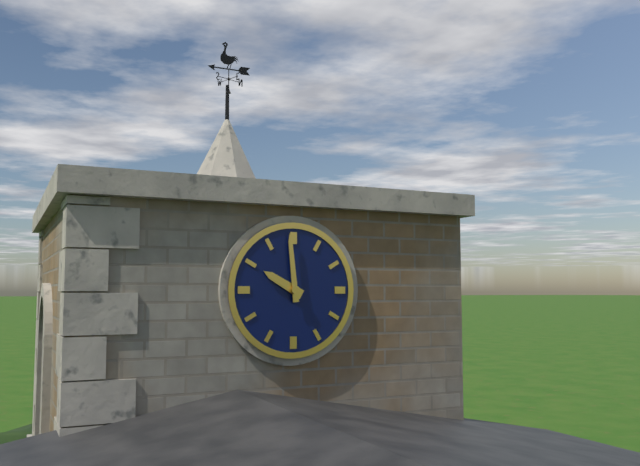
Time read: **9:59**
